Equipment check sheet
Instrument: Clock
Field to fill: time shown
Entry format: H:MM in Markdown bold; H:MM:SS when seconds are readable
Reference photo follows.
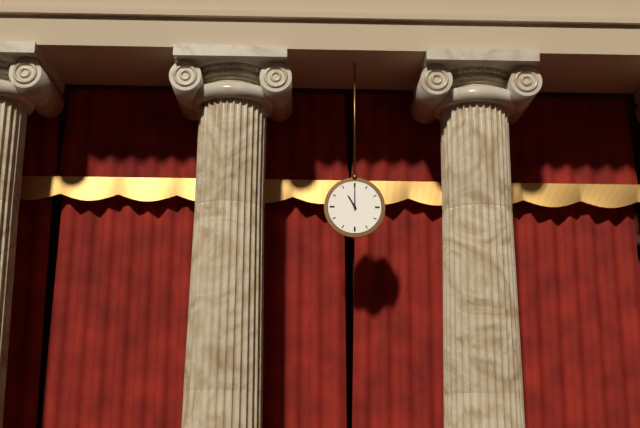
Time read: **11:00**
